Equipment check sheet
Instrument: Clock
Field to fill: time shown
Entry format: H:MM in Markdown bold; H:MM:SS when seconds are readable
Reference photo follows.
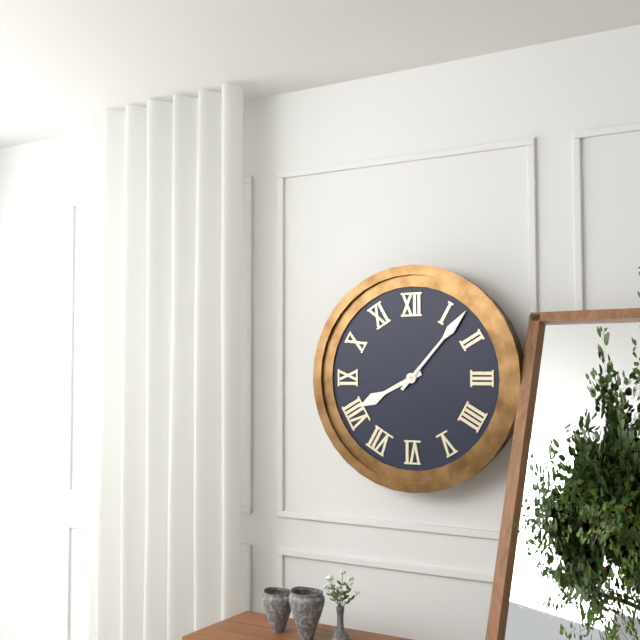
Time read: **8:07**
